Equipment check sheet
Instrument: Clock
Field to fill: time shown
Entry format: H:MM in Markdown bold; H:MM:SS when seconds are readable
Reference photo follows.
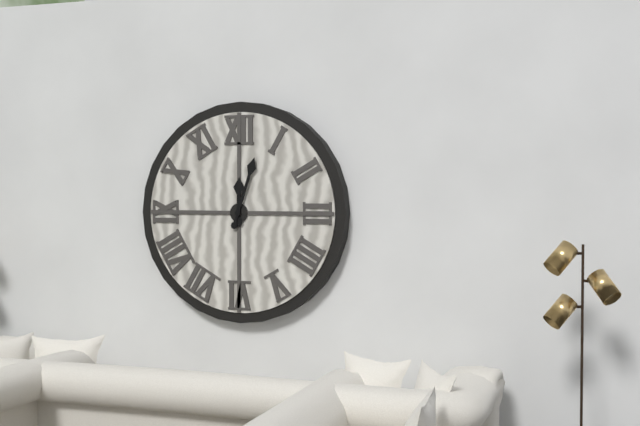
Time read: **12:03**
